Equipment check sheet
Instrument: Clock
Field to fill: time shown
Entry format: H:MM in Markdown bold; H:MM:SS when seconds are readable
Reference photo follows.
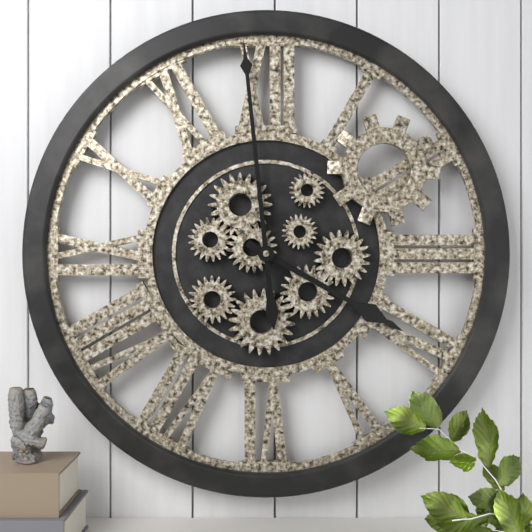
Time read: **3:59**
